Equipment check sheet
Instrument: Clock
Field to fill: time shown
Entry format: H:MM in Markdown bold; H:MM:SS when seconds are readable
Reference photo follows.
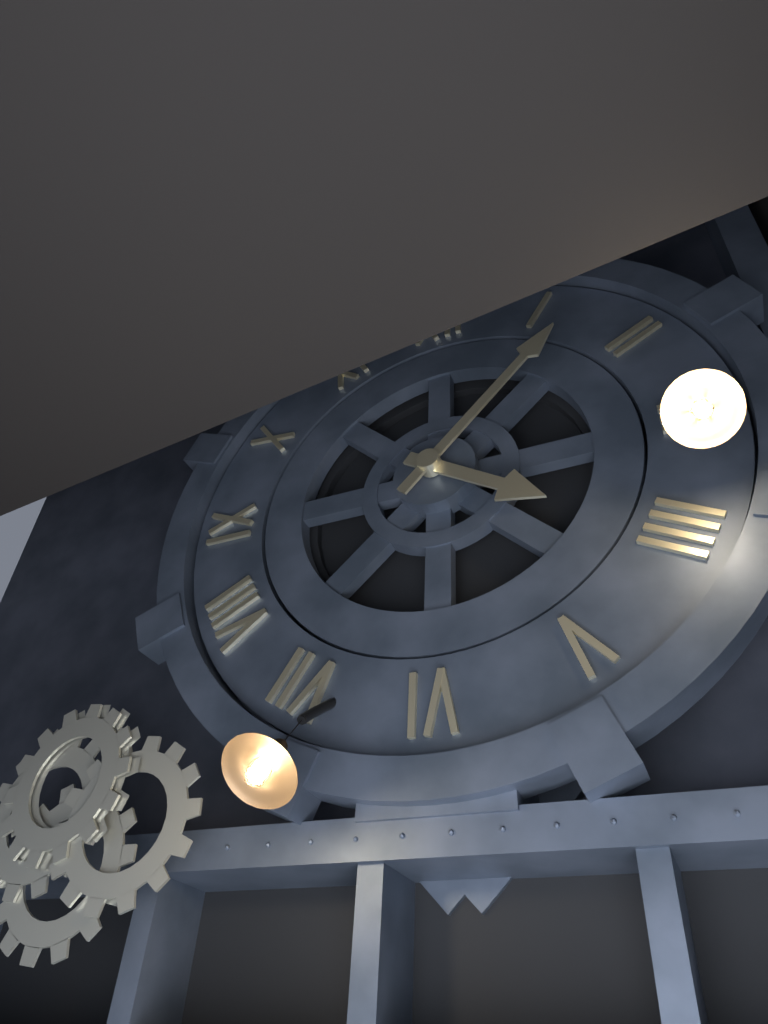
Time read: **4:07**
